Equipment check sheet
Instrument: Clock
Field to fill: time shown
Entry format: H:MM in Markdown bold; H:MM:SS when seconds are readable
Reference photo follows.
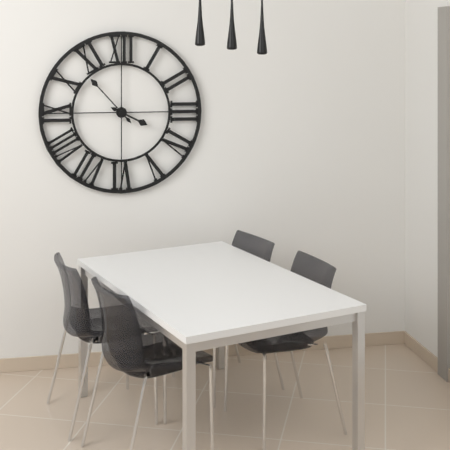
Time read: **3:53**
